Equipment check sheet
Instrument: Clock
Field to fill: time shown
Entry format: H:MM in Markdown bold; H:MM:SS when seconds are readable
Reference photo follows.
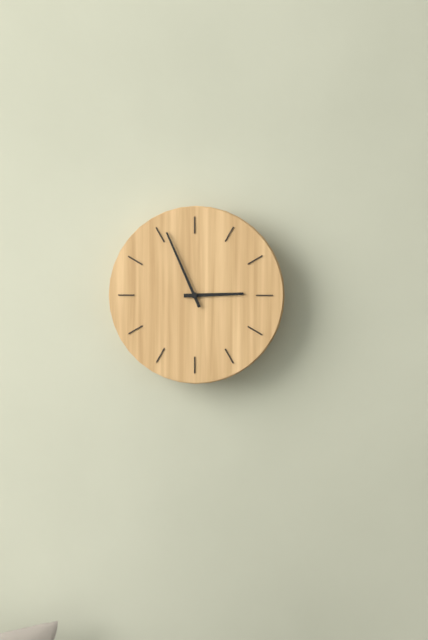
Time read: **2:56**
